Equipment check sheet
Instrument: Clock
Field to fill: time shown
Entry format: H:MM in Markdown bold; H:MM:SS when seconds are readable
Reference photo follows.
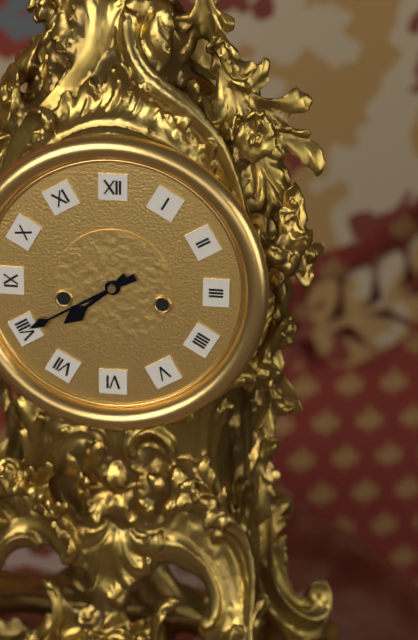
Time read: **7:40**
